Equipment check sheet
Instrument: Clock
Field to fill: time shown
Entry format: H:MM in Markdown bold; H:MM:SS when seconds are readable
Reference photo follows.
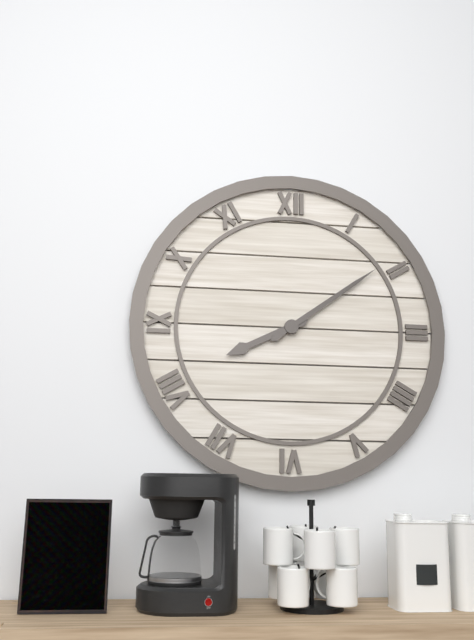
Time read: **8:09**
